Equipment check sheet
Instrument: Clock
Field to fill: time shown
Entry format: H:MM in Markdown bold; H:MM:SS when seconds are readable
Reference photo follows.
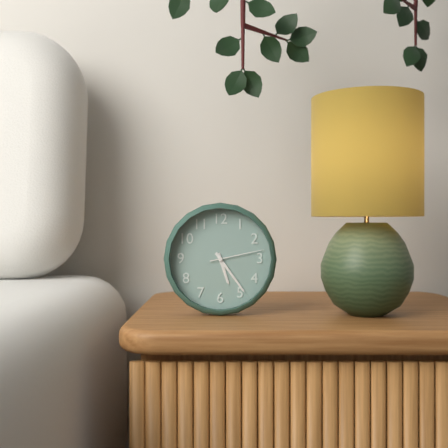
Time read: **5:24:13**
